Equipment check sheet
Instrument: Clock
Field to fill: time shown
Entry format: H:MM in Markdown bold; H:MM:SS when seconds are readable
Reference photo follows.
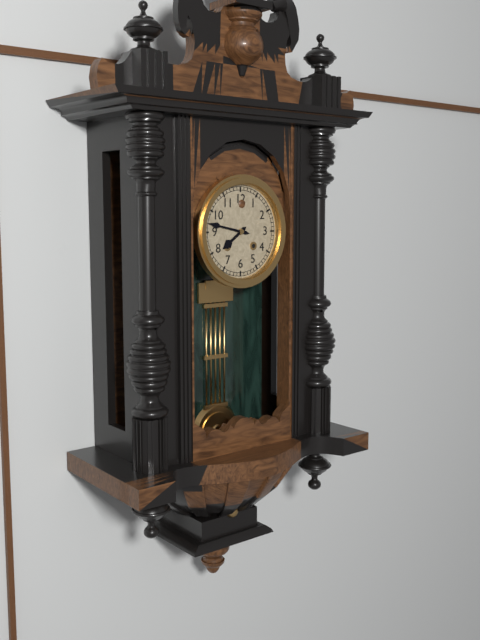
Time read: **7:47**
